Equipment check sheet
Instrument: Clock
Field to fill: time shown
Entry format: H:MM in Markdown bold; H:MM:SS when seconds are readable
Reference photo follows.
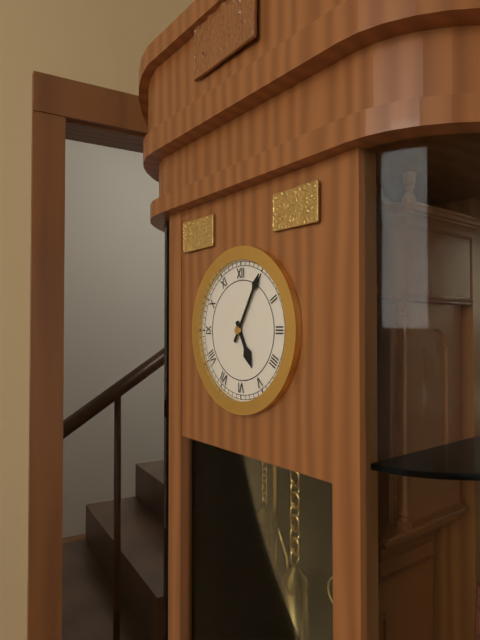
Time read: **5:05**
